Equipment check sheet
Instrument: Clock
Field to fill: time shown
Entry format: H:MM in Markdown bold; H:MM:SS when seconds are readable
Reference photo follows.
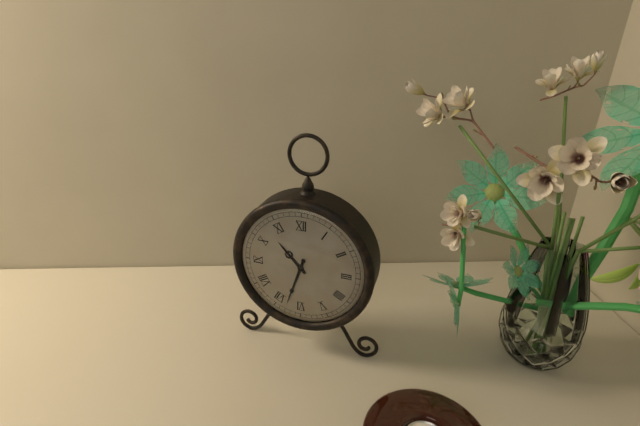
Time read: **10:33**
